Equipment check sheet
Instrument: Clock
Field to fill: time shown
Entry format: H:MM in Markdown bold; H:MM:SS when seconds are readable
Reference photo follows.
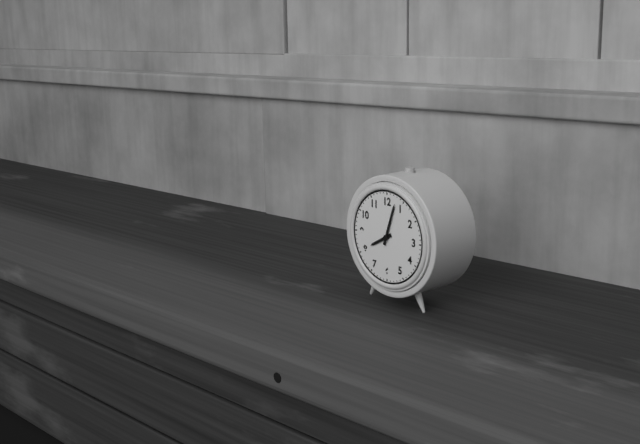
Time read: **8:03**
